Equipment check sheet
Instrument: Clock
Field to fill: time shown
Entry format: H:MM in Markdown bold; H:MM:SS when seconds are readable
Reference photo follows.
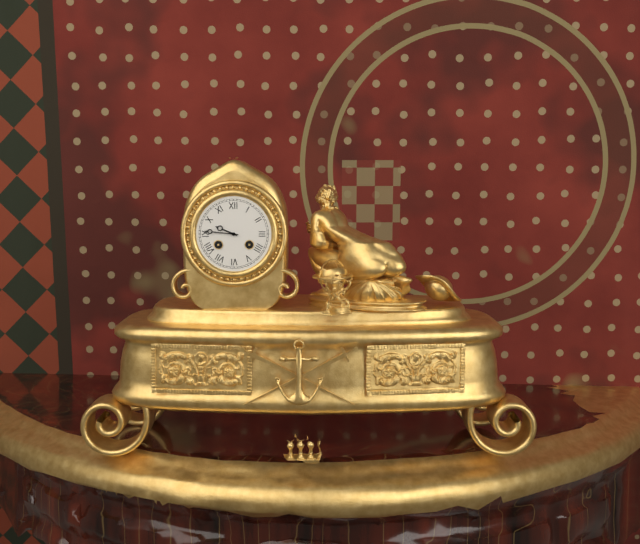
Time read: **9:46**
